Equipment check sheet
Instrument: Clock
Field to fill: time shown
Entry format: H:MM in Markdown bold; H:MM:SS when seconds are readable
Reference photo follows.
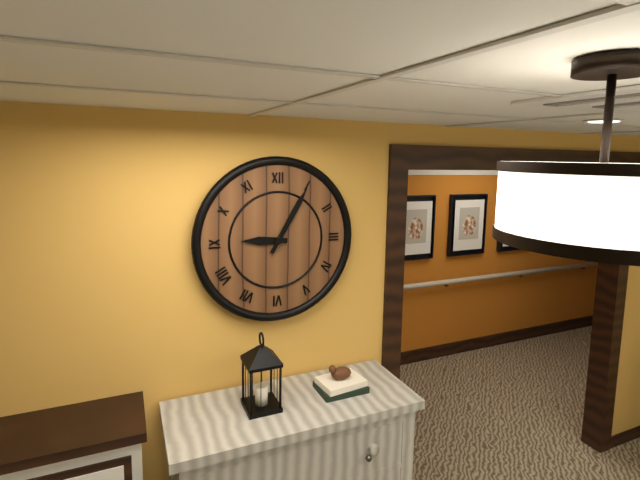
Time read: **9:05**
